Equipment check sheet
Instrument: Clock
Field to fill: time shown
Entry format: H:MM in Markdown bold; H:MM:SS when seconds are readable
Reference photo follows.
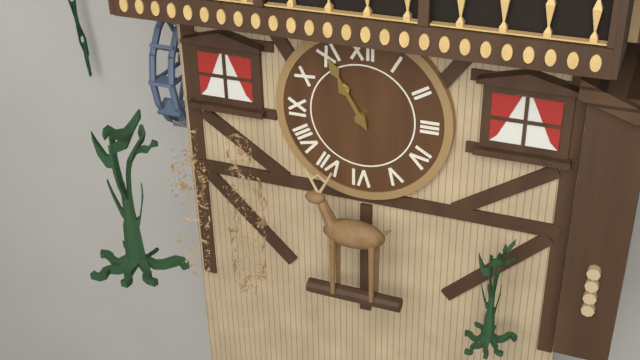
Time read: **10:55**
